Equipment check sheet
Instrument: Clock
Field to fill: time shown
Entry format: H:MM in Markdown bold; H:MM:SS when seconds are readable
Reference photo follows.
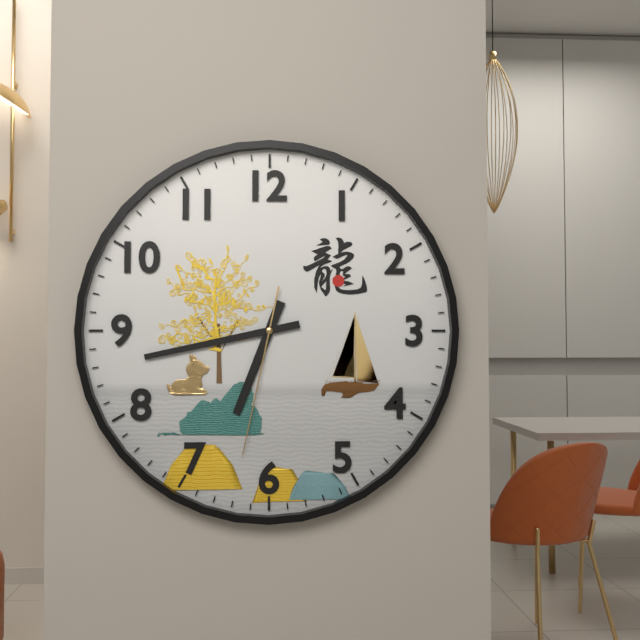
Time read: **6:43:32**
